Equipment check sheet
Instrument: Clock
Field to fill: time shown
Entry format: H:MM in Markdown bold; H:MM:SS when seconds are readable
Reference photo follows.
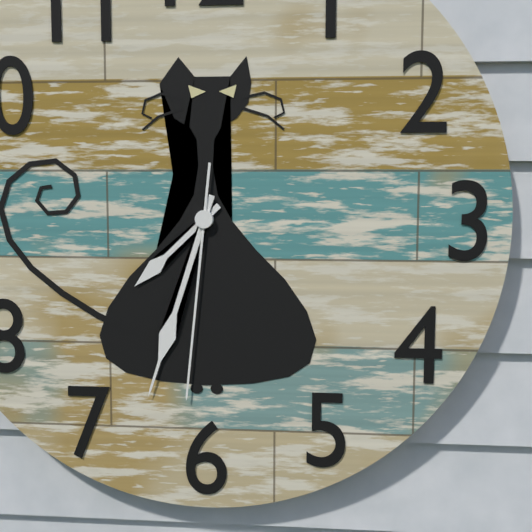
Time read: **7:33:31**
